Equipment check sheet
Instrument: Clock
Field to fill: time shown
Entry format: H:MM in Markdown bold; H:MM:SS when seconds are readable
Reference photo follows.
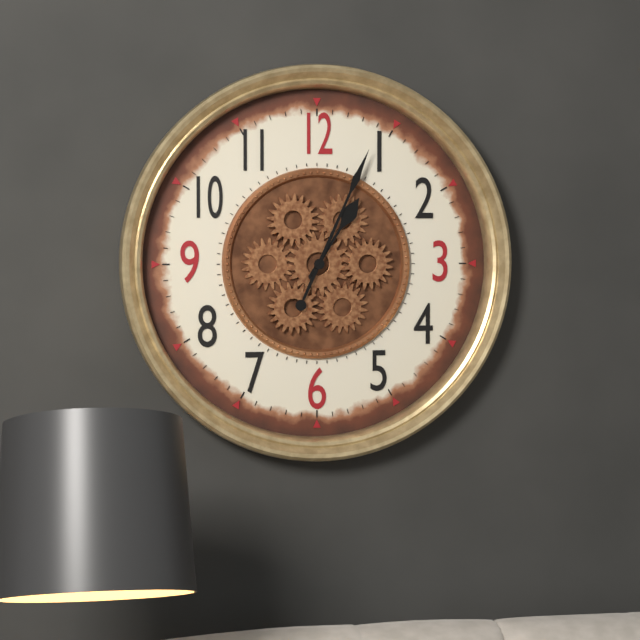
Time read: **1:04**
